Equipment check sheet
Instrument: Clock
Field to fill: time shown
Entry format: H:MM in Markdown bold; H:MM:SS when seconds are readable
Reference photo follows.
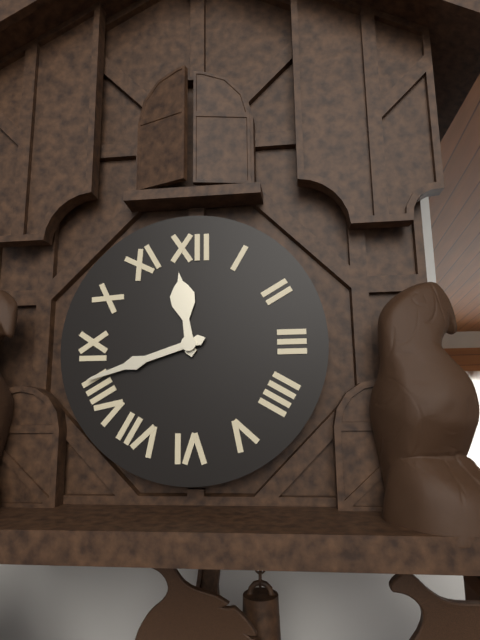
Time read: **11:42**
